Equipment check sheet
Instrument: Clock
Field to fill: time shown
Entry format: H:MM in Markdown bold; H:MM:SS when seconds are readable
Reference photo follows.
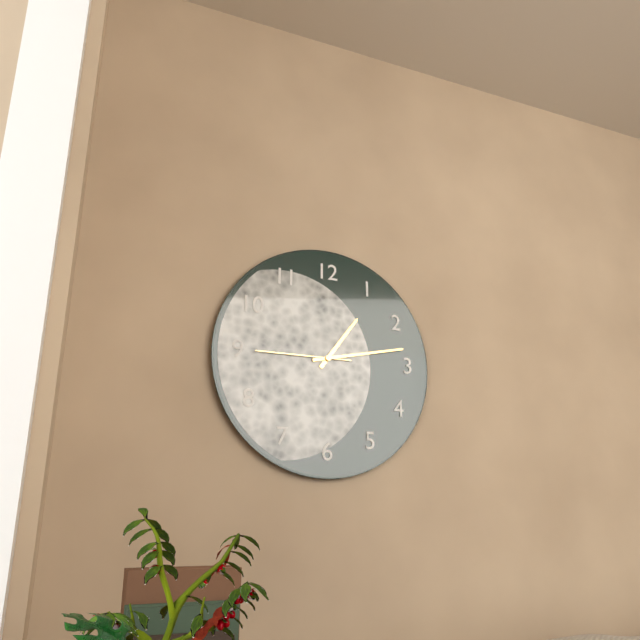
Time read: **1:13:45**
